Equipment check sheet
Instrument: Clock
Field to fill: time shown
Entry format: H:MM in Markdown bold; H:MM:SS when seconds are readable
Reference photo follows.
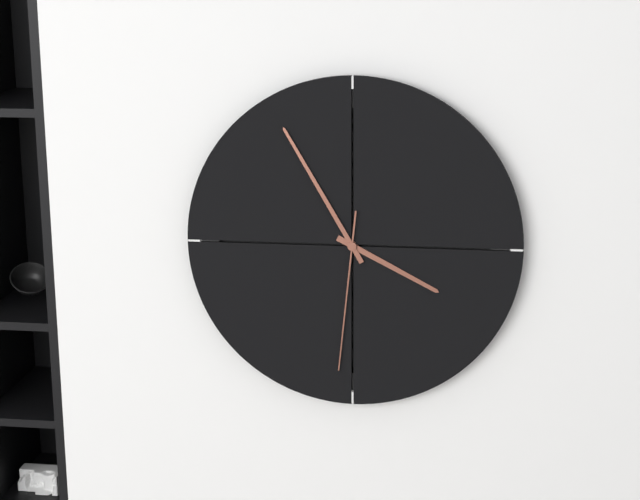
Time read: **3:55:31**
